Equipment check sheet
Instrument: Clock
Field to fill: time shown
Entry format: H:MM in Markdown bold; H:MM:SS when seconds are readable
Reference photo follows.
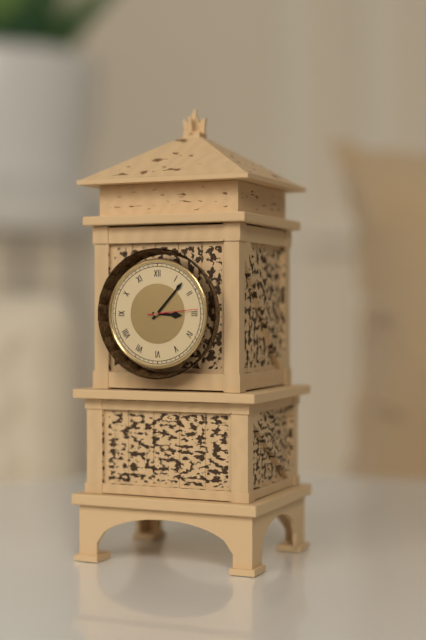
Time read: **3:07:14**
